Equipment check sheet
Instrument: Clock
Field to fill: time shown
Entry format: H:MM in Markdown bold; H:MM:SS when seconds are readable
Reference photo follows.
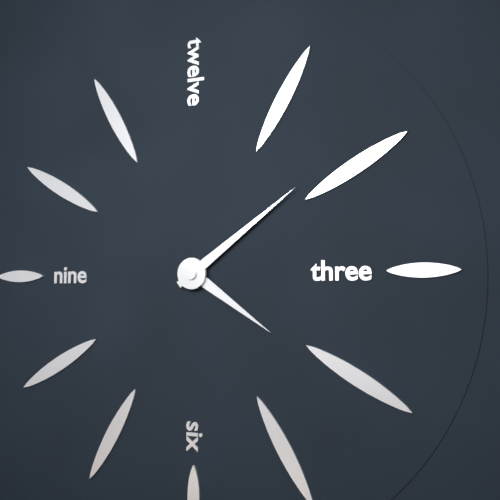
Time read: **4:09**
